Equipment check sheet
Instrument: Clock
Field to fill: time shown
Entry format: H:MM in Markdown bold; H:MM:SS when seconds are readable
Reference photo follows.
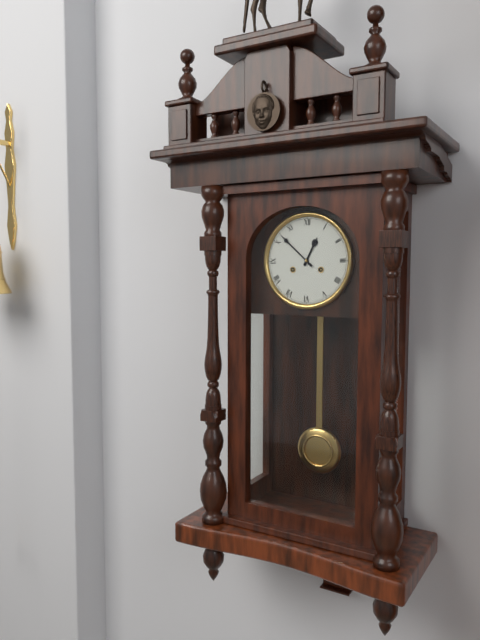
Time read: **12:52**
